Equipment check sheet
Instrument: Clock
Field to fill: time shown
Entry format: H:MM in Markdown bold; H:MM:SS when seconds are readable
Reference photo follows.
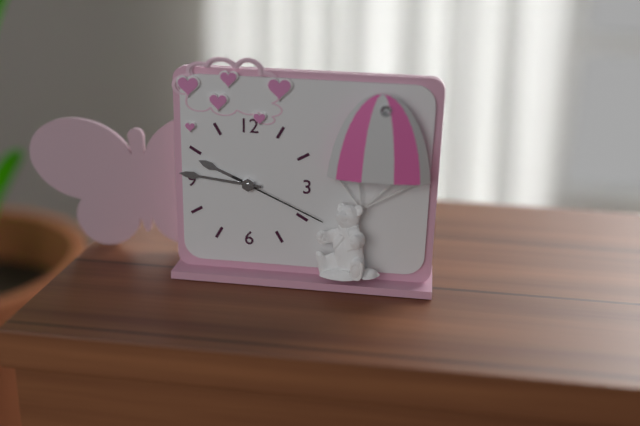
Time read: **9:46:19**
